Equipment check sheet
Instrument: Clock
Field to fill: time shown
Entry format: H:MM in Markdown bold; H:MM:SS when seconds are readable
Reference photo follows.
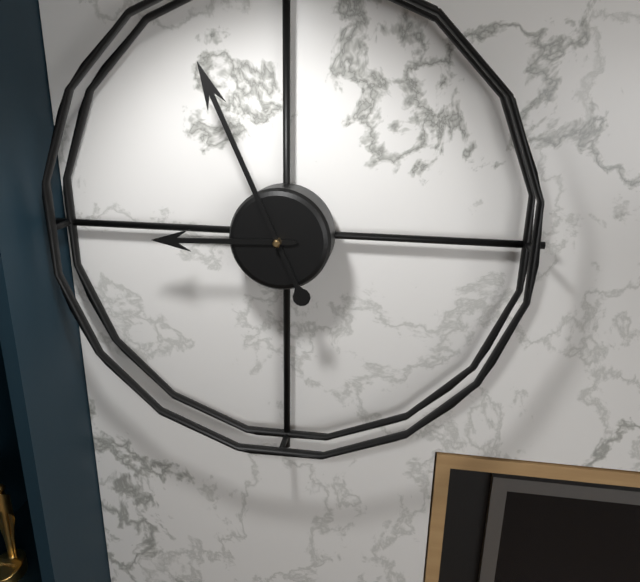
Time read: **8:56**
